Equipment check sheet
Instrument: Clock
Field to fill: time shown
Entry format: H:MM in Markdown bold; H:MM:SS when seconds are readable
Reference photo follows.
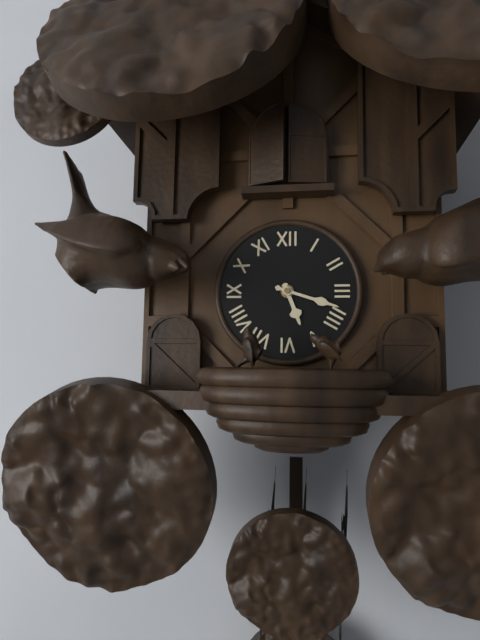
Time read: **5:18**
